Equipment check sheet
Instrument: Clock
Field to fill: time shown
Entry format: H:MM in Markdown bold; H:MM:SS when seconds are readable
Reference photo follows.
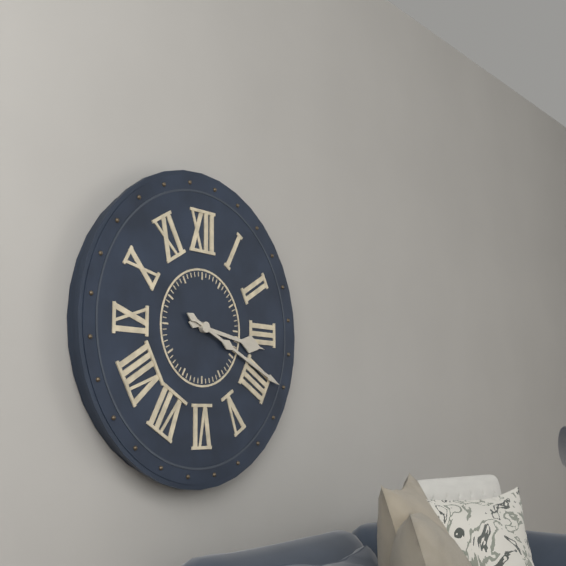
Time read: **3:19**
